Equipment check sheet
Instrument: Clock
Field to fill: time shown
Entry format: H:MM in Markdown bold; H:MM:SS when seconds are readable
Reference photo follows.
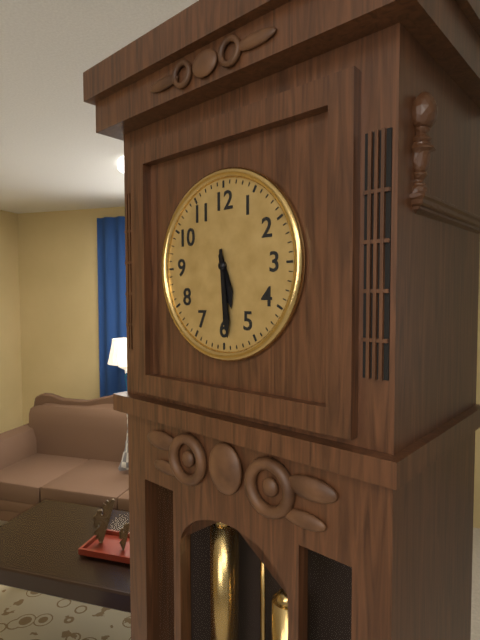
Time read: **5:29**
